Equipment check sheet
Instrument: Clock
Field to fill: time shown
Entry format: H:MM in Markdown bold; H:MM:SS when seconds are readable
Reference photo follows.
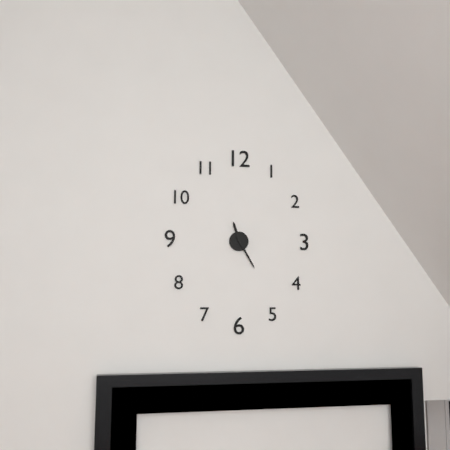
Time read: **11:25**
